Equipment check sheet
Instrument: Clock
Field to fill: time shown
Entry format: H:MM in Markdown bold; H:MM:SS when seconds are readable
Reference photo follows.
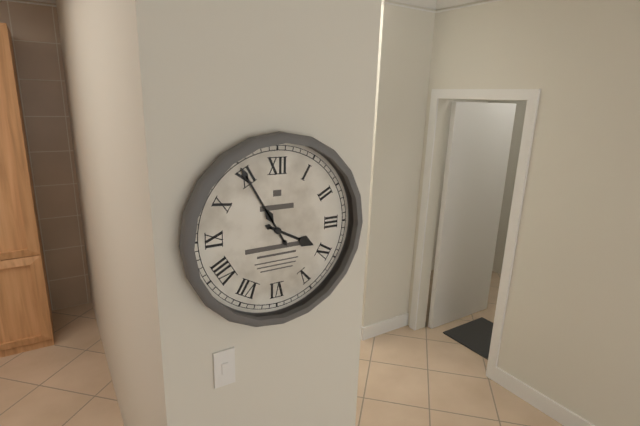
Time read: **3:55**
